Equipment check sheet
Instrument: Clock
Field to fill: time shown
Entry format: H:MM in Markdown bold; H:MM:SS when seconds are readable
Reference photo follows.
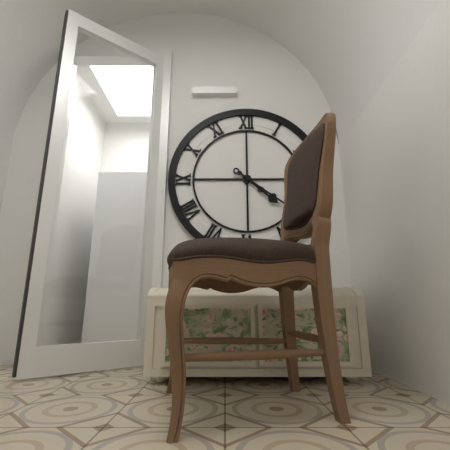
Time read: **4:21**
